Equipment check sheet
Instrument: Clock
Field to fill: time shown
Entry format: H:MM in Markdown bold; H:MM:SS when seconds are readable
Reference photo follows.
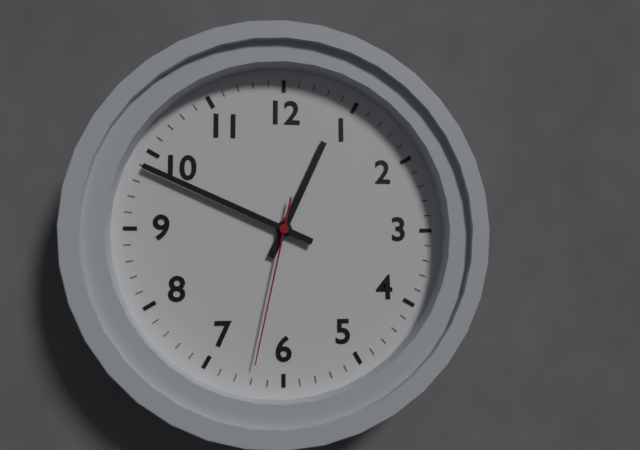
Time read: **12:49:32**
